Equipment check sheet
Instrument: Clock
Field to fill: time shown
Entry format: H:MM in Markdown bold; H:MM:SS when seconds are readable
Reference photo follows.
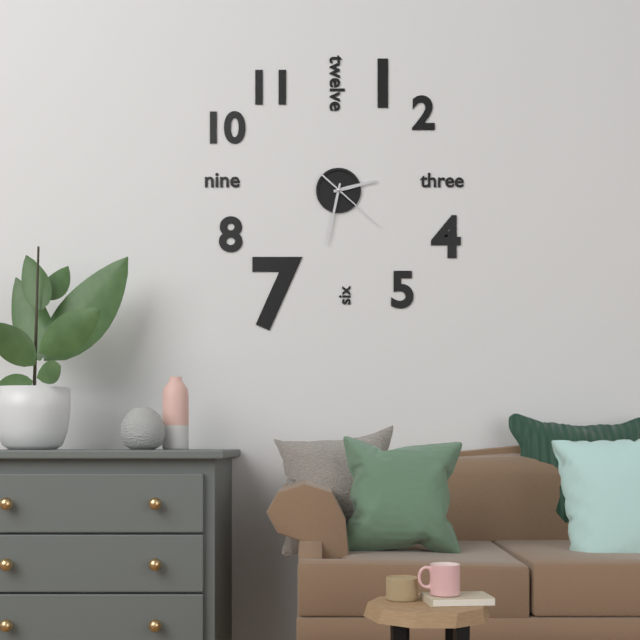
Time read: **2:32:22**
